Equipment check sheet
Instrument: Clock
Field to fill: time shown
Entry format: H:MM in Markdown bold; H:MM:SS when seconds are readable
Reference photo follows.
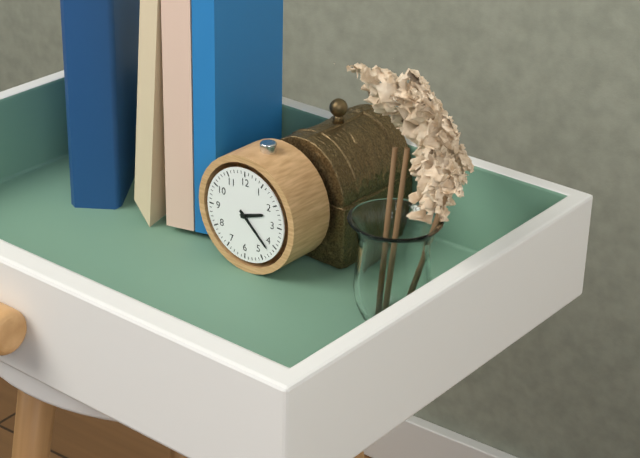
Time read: **2:22**
